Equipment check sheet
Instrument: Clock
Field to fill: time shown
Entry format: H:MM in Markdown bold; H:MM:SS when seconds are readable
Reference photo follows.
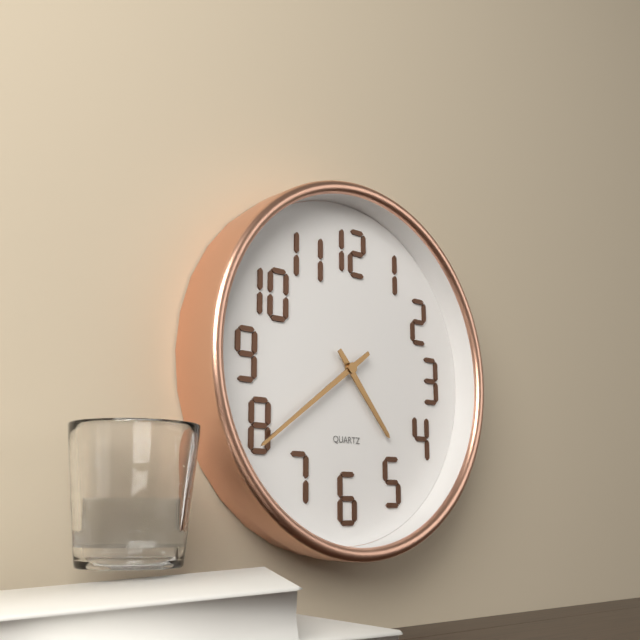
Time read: **4:39**
